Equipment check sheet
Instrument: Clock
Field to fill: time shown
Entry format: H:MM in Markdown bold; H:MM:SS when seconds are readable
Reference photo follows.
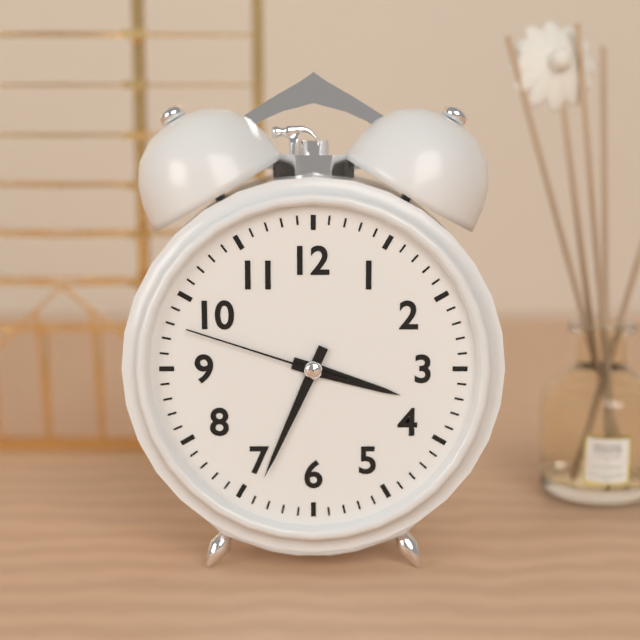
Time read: **3:34:48**
